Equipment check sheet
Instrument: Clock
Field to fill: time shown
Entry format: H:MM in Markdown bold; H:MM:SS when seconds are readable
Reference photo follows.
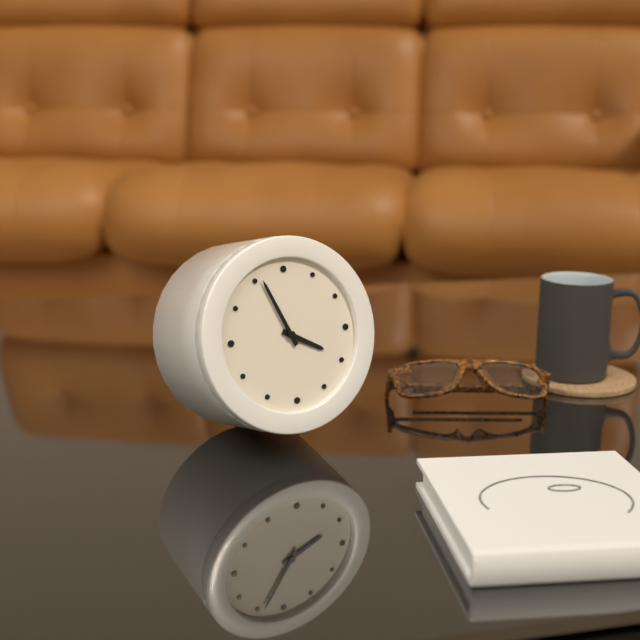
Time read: **3:56**
